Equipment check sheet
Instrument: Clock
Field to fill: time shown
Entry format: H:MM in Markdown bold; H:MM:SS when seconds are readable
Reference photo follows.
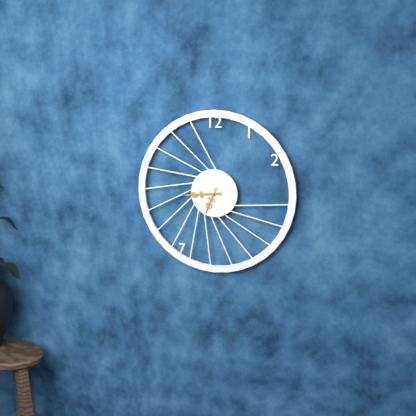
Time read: **6:44**
